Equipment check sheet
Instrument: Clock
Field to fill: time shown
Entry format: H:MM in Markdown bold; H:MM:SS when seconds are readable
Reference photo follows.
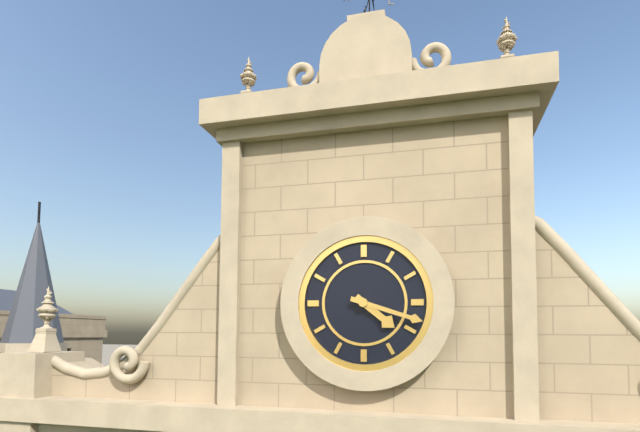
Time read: **4:18**
